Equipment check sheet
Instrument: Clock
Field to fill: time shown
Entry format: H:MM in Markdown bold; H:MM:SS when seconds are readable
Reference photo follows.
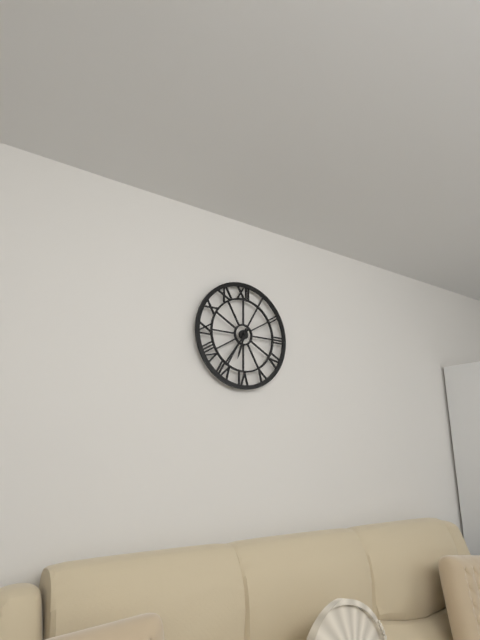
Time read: **6:36**
